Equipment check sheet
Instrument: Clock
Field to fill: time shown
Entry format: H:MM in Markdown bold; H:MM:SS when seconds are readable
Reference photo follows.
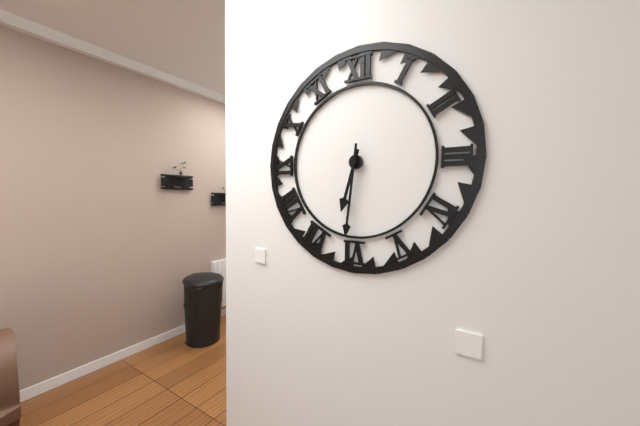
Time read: **6:31**
